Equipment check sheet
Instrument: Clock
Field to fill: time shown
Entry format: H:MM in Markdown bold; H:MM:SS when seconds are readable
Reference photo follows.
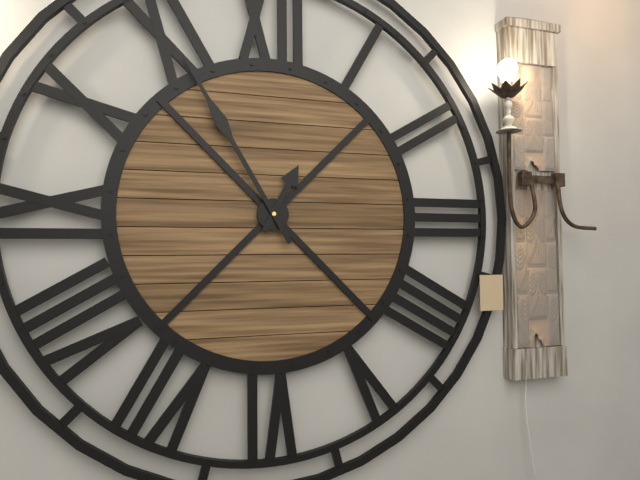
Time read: **12:55**
